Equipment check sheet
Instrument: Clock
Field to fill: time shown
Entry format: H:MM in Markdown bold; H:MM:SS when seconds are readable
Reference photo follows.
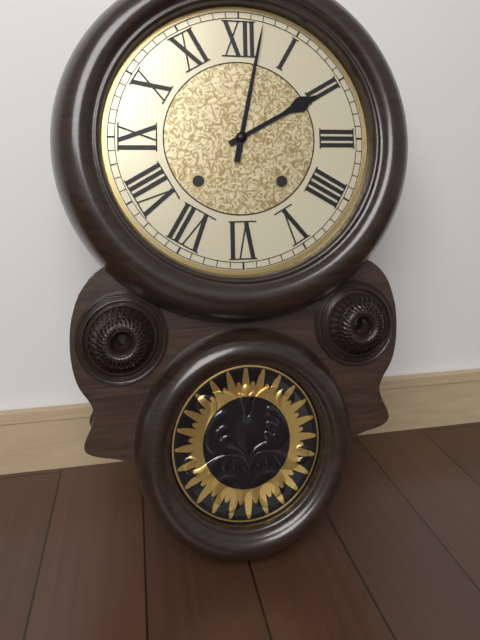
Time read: **2:02**
